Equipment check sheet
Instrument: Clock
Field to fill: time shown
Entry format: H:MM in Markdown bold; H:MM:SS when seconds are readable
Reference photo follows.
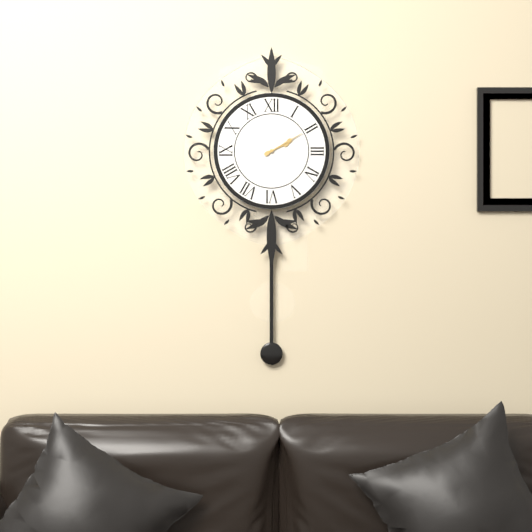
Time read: **2:10**
